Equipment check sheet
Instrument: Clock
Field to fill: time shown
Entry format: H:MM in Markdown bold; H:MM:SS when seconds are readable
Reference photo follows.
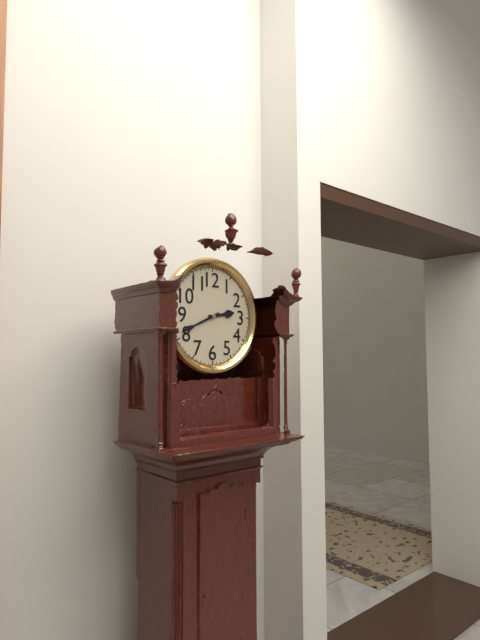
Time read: **2:41**
